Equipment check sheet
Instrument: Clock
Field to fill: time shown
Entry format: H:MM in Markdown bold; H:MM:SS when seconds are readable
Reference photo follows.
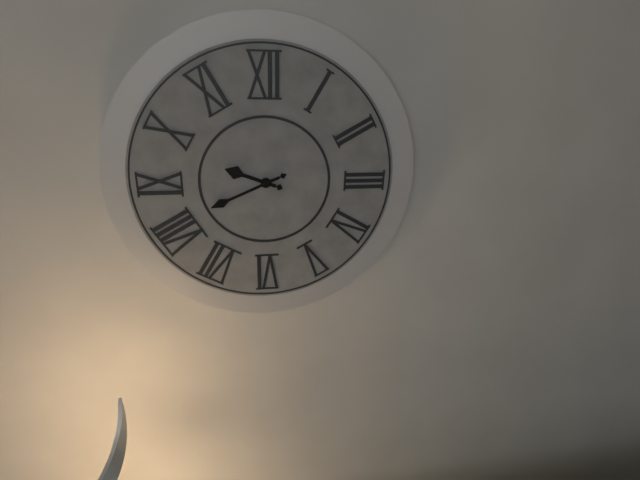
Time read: **9:41**
